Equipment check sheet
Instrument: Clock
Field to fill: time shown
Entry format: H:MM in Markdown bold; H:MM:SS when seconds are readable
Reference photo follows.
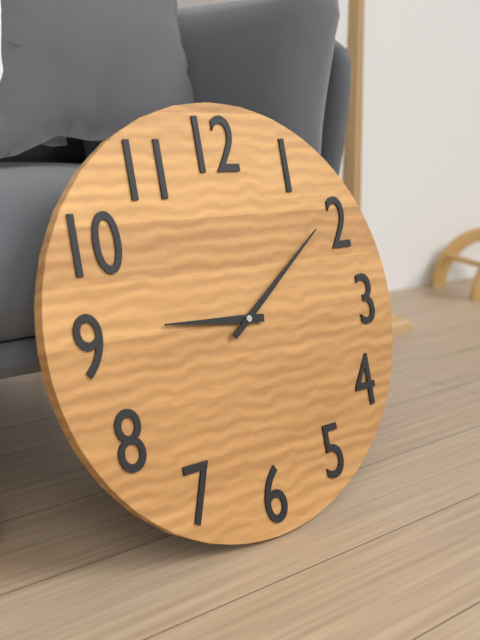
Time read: **9:09**
